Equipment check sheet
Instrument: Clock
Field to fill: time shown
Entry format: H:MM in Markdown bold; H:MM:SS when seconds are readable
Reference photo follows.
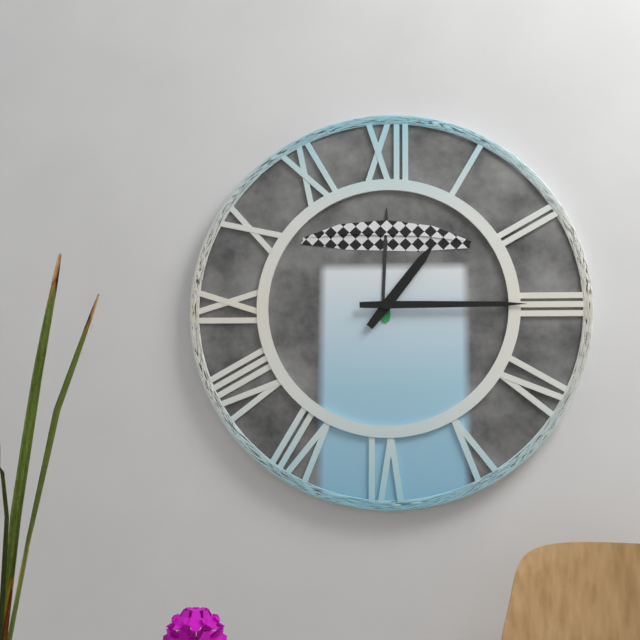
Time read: **1:15**
